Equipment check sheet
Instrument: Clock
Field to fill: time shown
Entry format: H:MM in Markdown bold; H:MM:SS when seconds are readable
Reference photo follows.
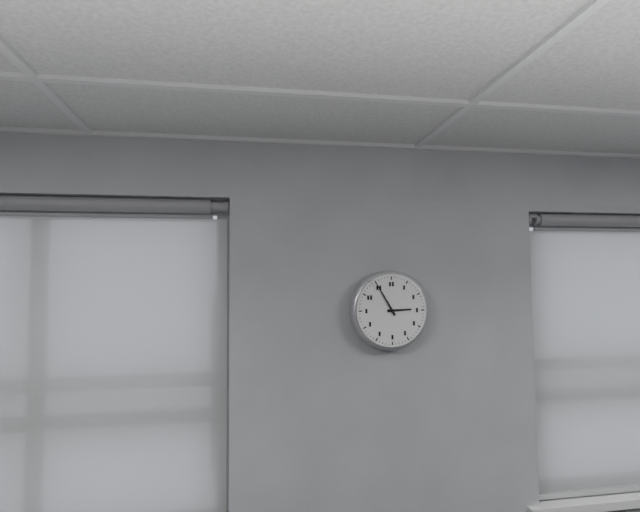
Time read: **2:55**
